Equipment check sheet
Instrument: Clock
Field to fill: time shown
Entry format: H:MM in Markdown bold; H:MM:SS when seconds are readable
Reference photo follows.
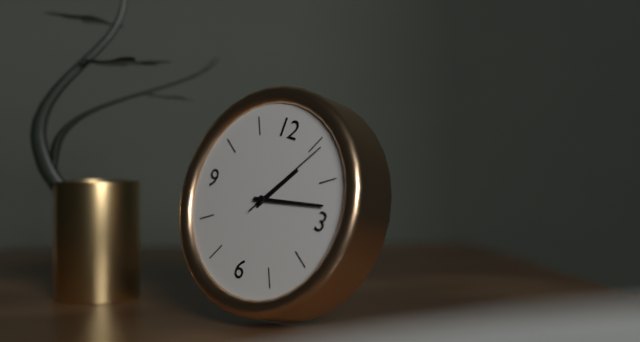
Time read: **1:13:06**
